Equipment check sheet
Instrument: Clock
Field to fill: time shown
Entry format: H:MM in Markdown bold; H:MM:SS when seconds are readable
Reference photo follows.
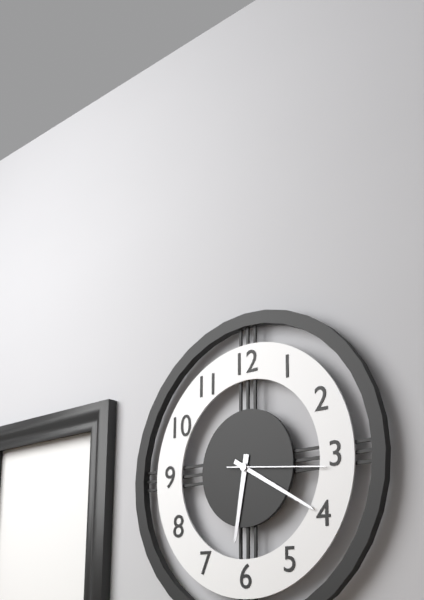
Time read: **6:20:16**
